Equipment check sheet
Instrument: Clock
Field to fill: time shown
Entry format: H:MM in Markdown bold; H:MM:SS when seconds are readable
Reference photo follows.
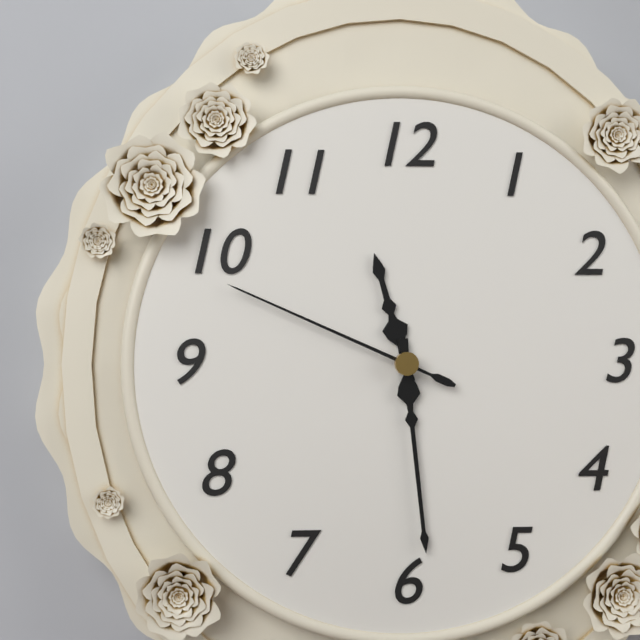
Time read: **11:29:49**
